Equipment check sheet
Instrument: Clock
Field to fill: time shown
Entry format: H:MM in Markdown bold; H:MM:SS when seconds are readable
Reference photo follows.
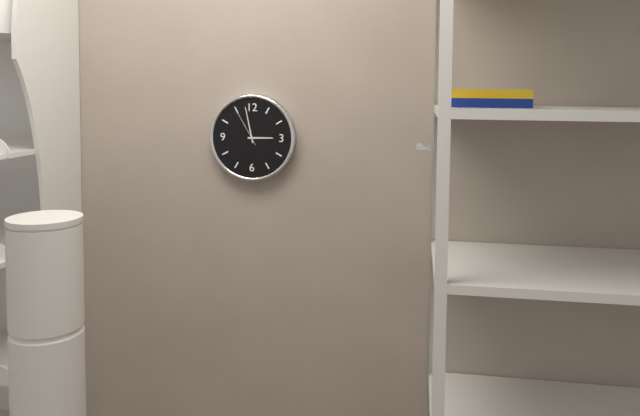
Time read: **2:58**
